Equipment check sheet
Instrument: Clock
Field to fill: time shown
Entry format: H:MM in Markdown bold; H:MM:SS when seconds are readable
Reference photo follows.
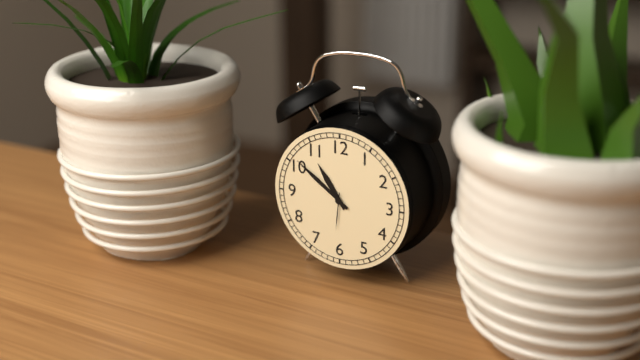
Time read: **10:51**
